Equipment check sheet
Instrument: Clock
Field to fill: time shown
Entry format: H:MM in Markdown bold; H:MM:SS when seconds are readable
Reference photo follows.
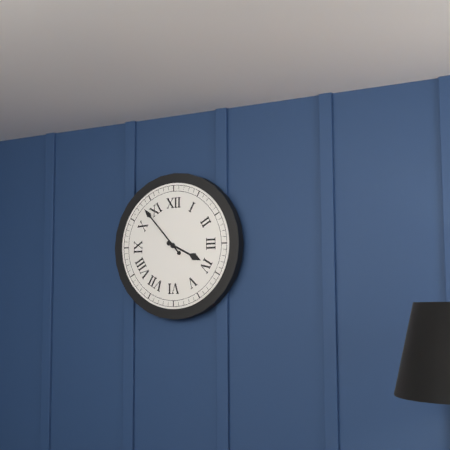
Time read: **3:53**
